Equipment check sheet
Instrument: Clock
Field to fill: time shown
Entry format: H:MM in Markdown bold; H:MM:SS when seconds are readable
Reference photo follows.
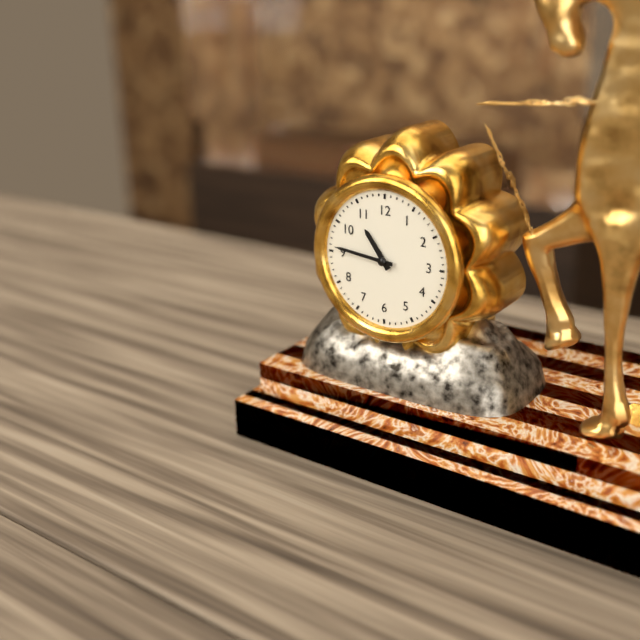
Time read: **10:46**
